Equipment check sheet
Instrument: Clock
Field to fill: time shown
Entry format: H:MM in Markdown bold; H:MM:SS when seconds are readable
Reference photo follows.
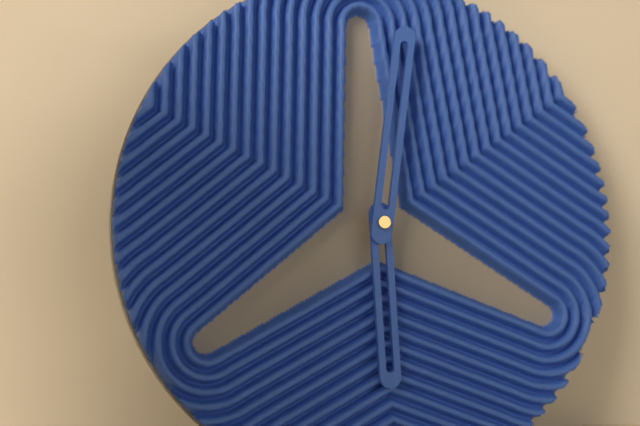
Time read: **6:02**
